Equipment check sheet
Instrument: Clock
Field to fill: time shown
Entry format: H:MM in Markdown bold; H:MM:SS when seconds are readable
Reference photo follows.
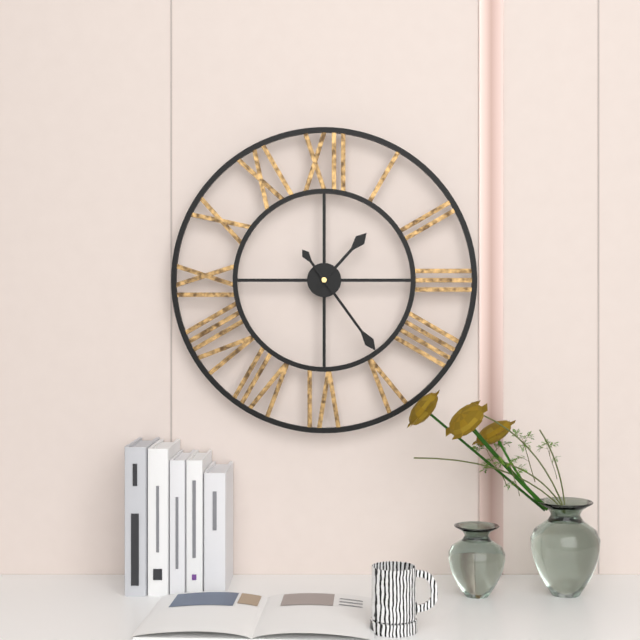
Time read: **1:24**
